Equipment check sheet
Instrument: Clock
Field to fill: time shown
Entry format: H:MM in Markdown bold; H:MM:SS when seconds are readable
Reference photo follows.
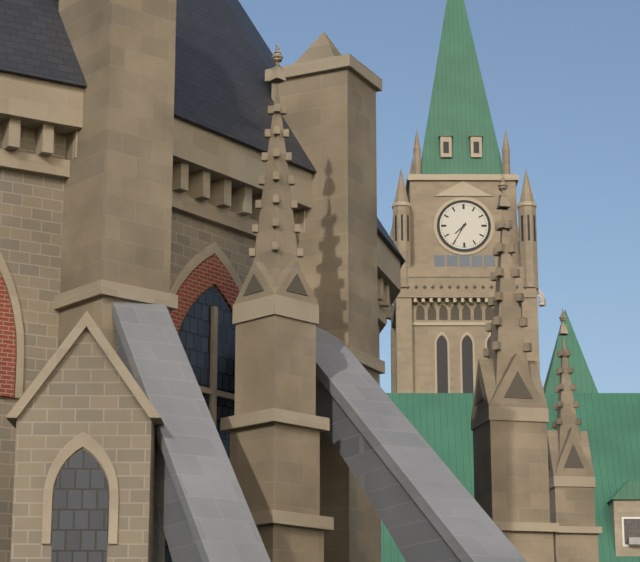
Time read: **7:35**
